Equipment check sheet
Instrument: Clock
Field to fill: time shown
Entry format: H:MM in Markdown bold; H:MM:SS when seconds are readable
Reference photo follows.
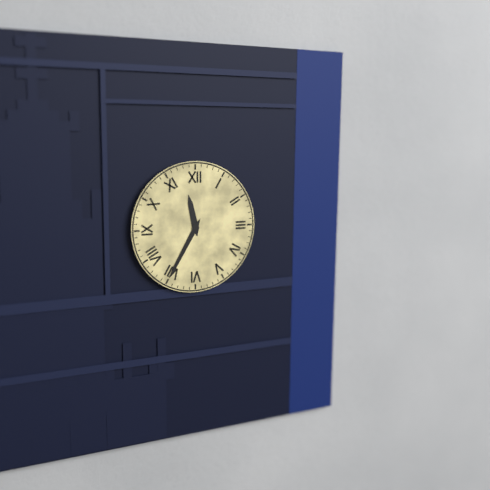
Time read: **11:35**
